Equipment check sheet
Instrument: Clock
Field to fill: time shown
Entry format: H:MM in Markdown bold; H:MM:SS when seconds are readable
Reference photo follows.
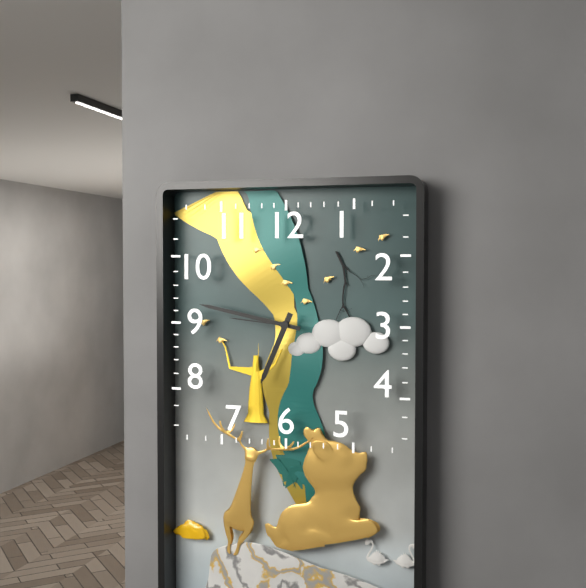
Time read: **6:47:46**
